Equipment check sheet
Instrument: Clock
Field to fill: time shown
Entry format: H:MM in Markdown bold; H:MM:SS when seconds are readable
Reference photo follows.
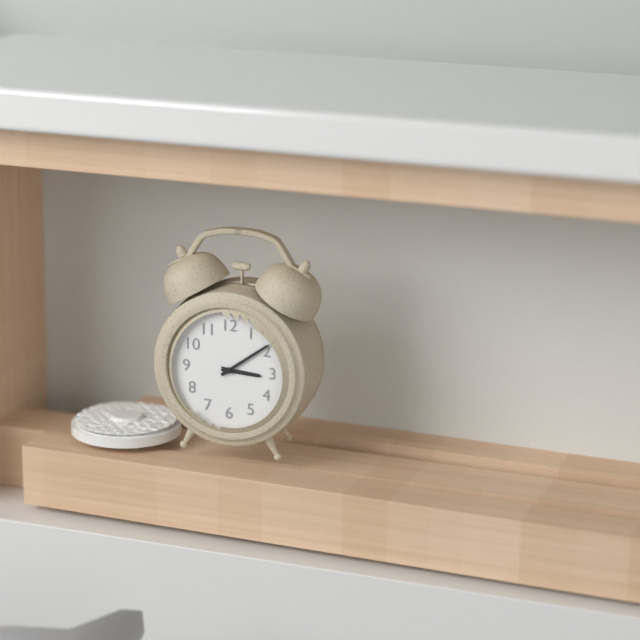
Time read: **3:09**
